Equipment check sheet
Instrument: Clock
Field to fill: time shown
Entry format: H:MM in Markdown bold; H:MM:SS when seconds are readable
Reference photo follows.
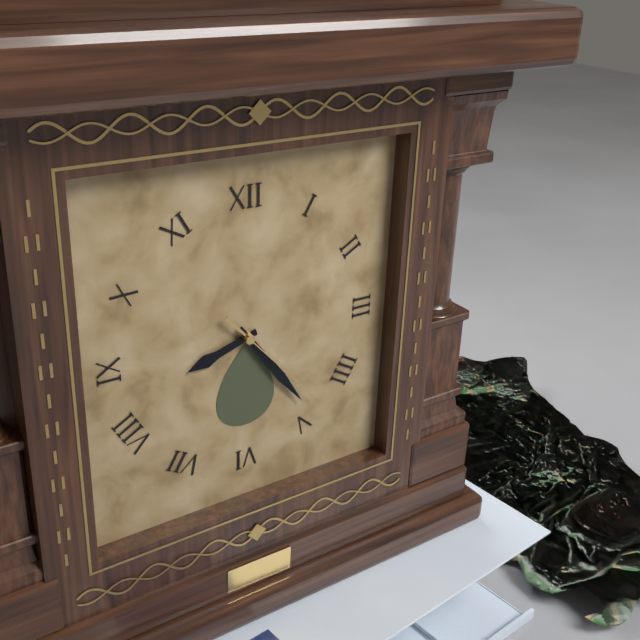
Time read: **8:24:23**
